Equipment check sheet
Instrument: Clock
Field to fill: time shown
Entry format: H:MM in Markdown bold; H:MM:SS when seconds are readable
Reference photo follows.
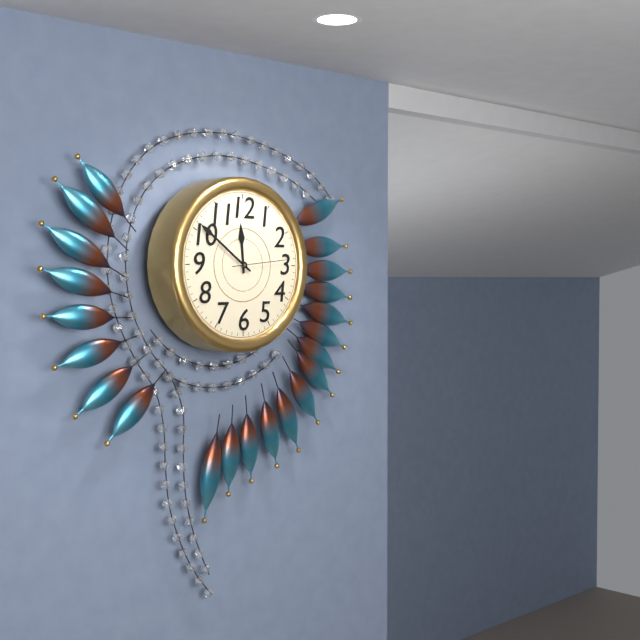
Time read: **11:51:14**
